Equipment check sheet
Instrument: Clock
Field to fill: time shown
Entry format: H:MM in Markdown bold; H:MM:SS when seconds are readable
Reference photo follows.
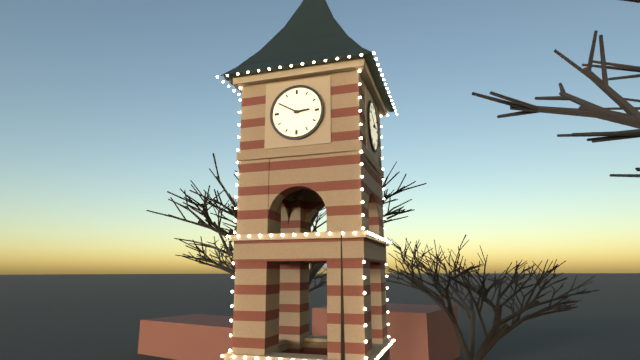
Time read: **2:50**
